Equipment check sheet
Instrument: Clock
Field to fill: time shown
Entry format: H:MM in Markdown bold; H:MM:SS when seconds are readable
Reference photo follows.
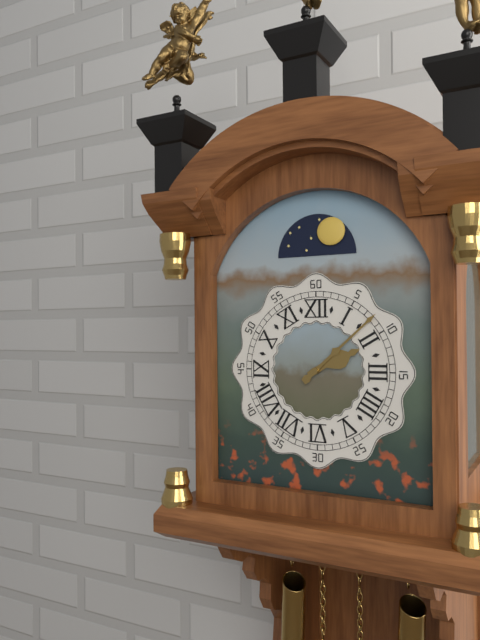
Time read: **2:08**
